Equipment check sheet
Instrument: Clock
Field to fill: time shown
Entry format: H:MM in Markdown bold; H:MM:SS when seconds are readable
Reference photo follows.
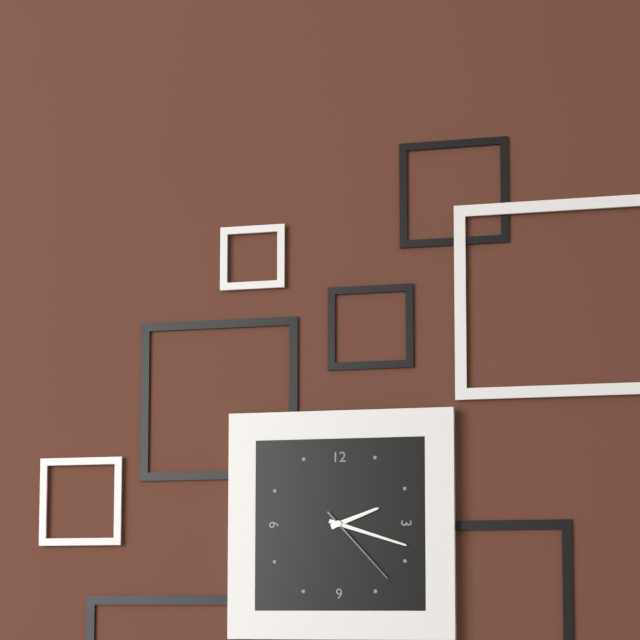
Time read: **2:18:23**
